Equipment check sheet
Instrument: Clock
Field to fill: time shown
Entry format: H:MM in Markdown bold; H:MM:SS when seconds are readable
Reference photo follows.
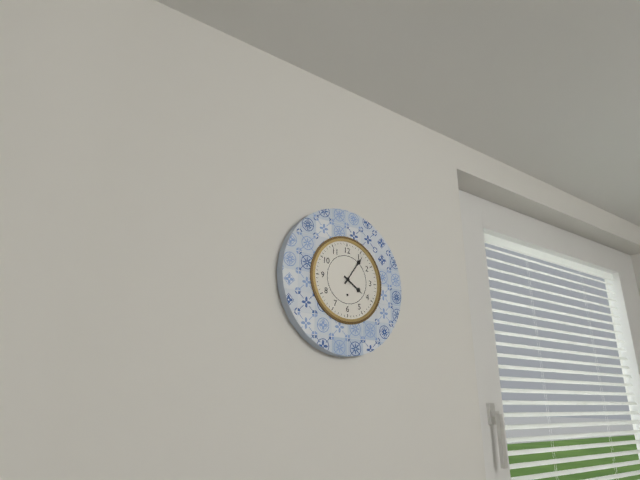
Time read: **4:06**
